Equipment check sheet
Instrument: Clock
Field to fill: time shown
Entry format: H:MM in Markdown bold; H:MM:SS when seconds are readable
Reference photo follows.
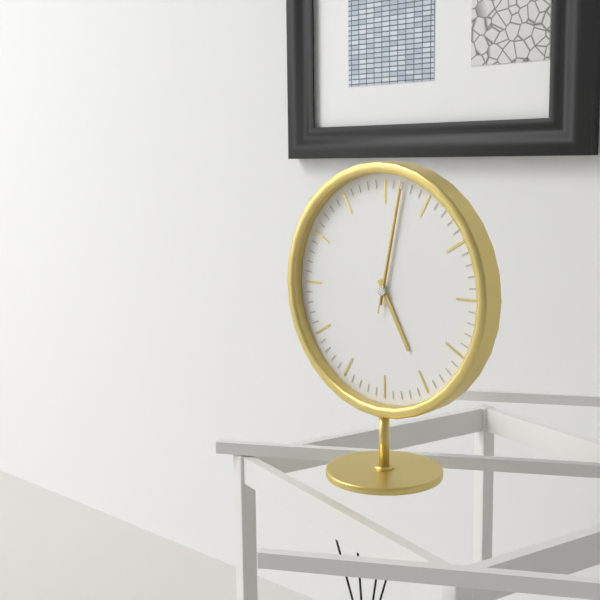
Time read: **5:02:02**
